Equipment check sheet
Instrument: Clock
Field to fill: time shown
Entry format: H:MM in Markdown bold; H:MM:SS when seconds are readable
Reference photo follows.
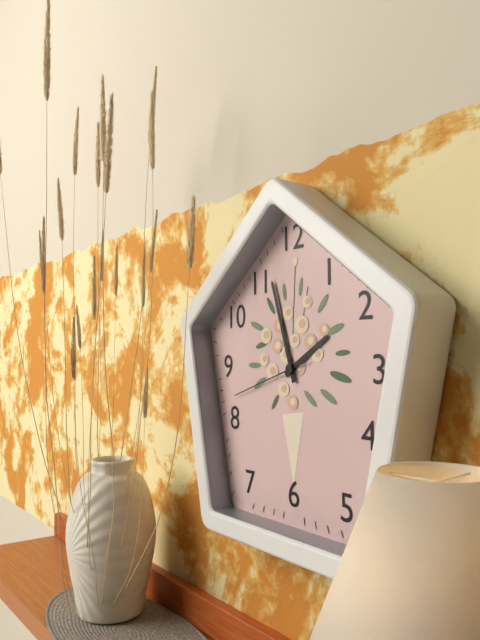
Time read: **1:57:42**
